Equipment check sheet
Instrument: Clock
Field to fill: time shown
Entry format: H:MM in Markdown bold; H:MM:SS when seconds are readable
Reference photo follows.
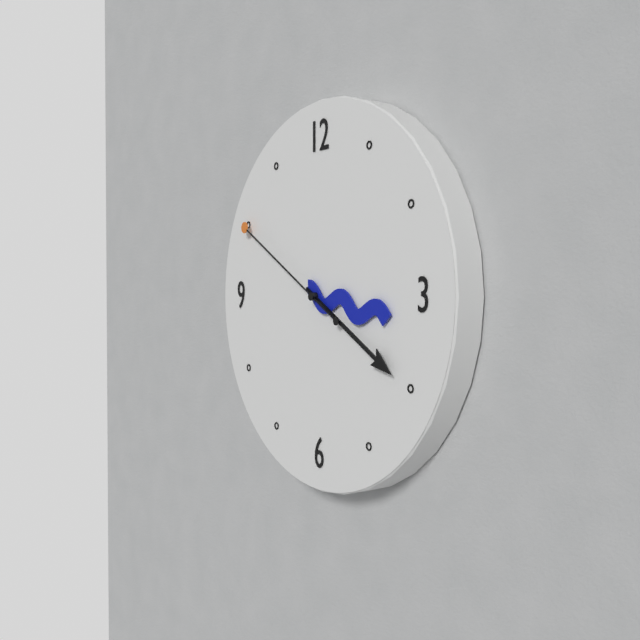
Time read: **3:20:50**
